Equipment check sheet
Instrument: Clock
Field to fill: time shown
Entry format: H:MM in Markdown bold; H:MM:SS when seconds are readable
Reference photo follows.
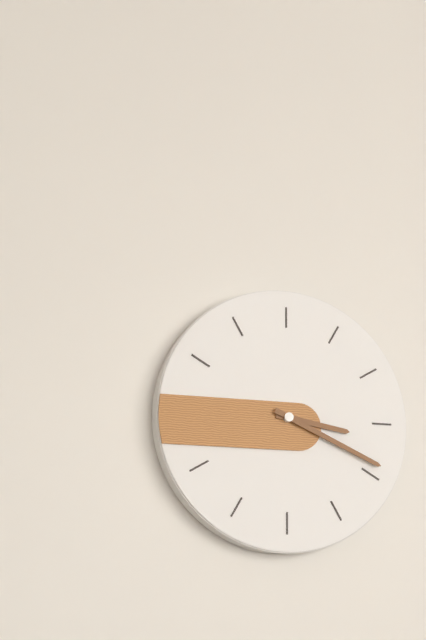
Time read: **3:19**
